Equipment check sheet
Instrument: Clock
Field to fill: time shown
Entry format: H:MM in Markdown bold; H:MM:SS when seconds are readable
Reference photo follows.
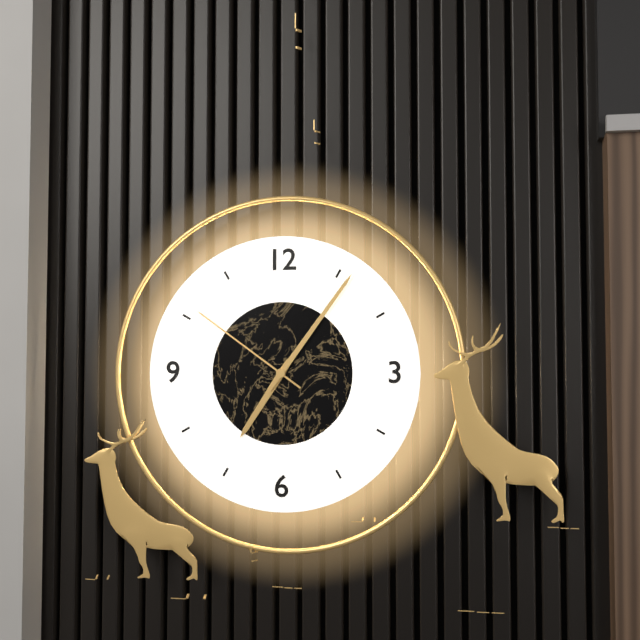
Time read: **7:06:51**
